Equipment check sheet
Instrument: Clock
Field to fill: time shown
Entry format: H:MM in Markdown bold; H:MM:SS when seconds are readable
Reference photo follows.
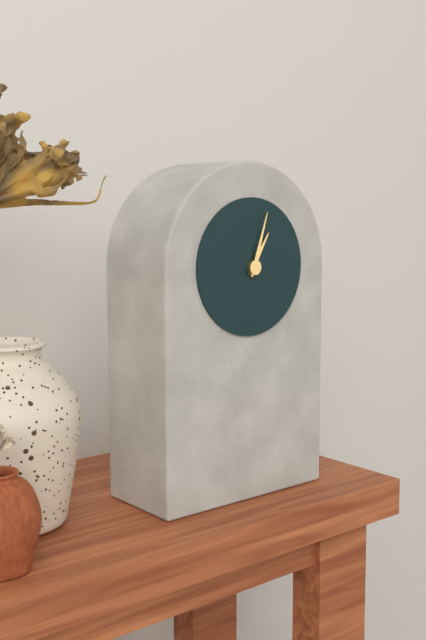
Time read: **1:03**
